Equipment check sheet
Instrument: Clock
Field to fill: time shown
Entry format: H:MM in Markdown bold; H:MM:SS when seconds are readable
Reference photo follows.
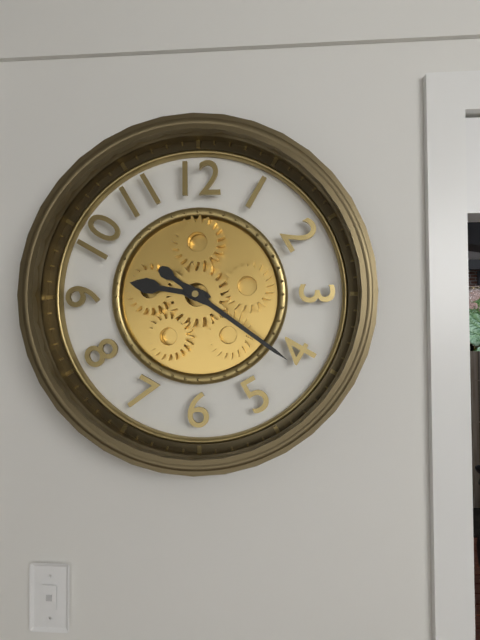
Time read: **9:21**
